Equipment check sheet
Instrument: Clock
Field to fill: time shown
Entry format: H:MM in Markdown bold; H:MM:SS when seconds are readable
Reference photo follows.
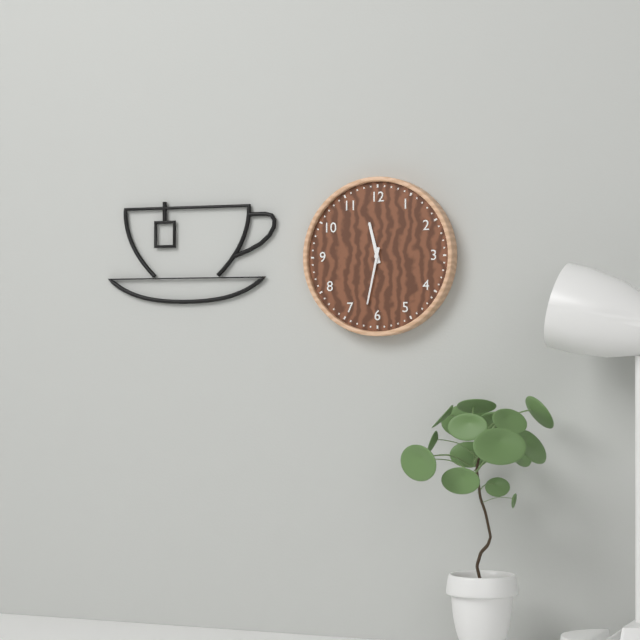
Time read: **11:32**
